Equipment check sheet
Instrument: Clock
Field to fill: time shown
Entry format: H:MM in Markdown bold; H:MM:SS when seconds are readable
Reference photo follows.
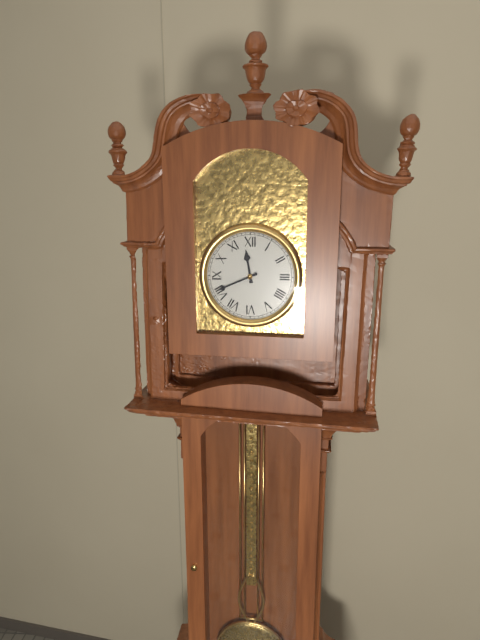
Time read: **11:41**
